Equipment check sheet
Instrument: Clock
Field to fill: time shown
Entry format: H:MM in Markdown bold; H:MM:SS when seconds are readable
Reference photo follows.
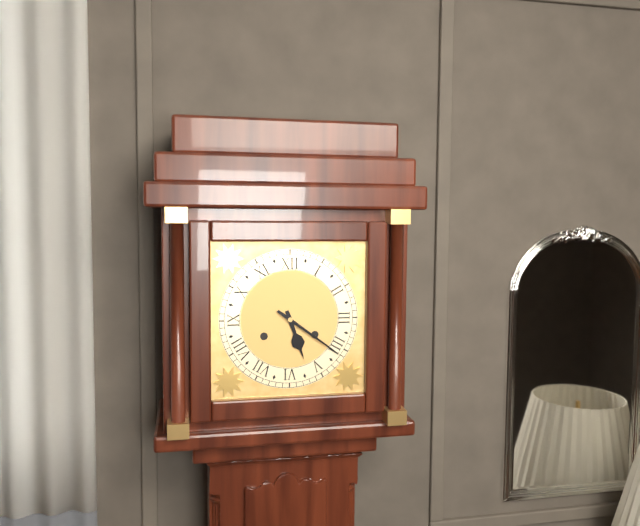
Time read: **5:21**
